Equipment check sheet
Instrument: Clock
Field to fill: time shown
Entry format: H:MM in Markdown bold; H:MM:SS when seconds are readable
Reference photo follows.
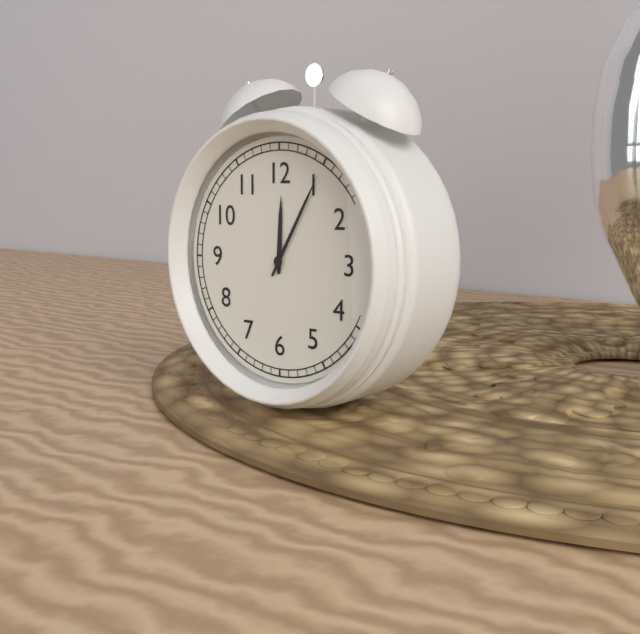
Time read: **12:05**
